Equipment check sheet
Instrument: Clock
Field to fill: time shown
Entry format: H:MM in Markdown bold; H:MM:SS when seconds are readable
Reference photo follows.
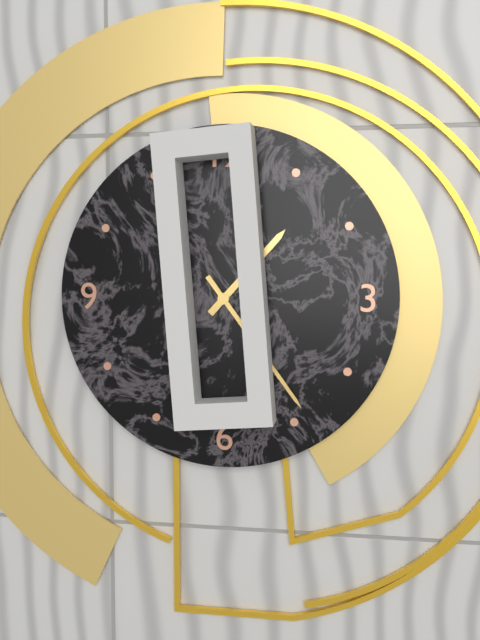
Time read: **1:24**
